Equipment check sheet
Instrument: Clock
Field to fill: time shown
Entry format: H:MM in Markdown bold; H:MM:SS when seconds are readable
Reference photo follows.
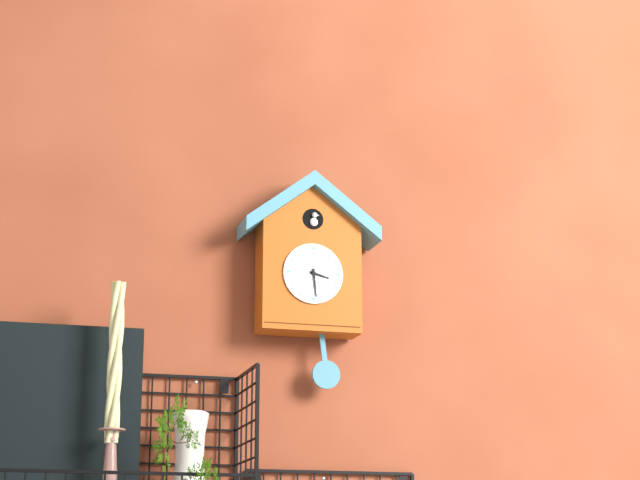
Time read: **3:29**
